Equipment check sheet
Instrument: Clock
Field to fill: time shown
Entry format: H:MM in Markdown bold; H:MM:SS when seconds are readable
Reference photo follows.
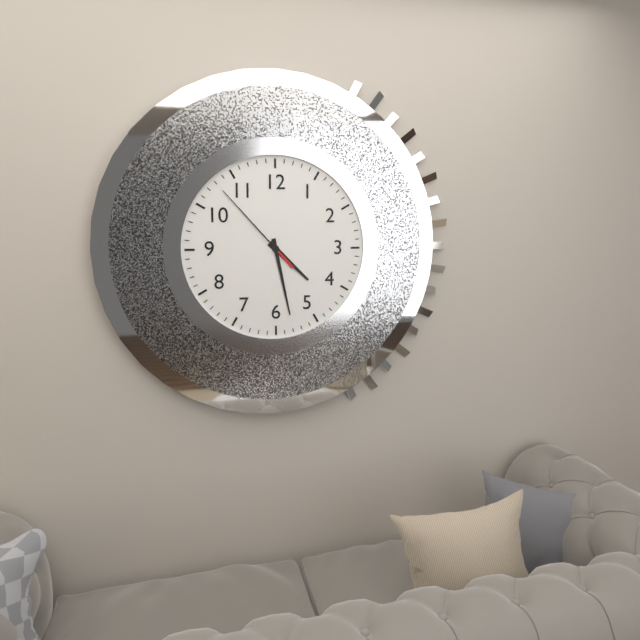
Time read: **4:28:53**
